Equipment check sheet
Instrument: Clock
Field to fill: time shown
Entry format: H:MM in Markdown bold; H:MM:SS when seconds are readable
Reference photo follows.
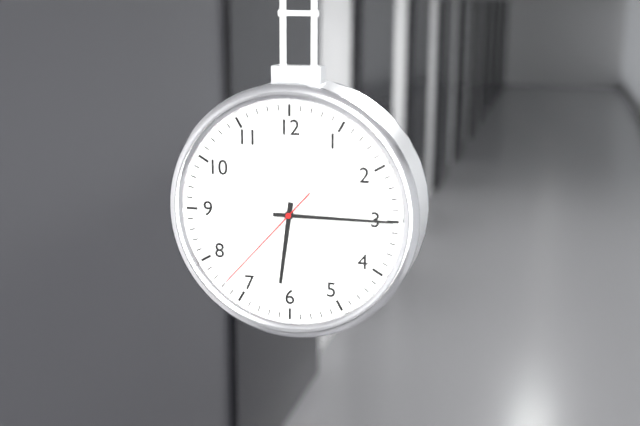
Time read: **6:15:37**
